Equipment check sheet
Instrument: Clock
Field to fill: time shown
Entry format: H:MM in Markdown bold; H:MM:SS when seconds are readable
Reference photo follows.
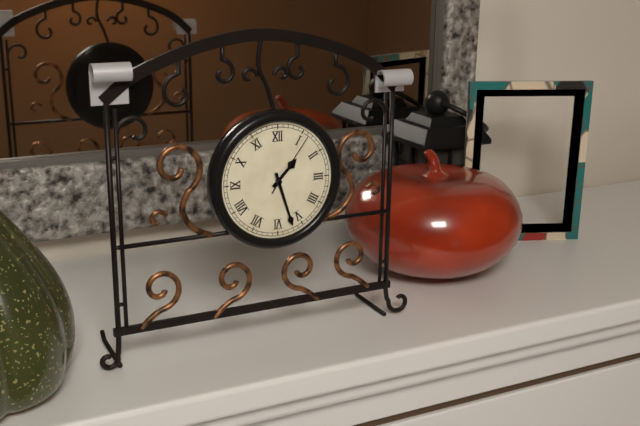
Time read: **1:27:06**
